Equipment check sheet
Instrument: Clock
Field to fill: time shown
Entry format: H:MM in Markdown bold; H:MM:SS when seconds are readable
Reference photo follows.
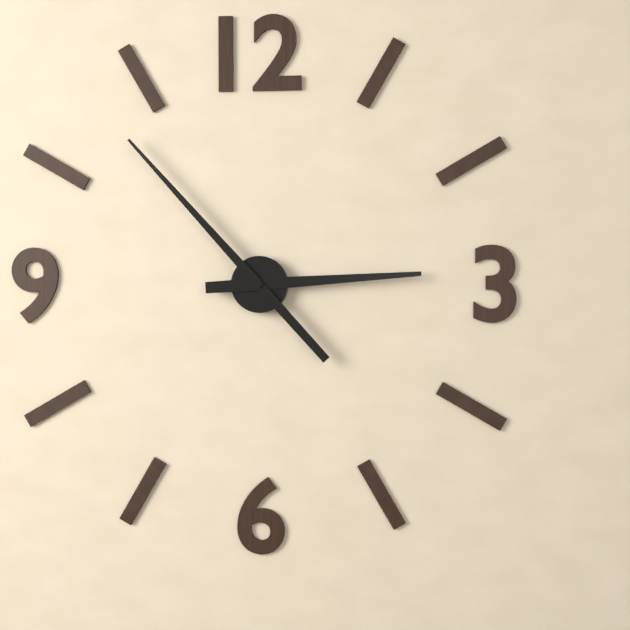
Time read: **2:53**
